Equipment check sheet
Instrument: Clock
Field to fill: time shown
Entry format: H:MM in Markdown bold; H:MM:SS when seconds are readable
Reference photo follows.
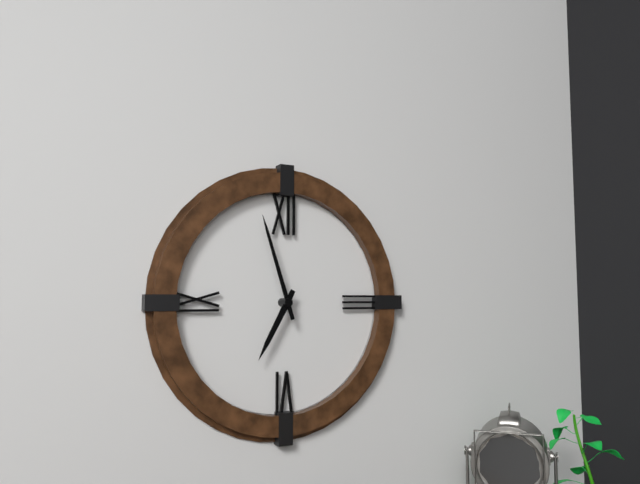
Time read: **6:57**
